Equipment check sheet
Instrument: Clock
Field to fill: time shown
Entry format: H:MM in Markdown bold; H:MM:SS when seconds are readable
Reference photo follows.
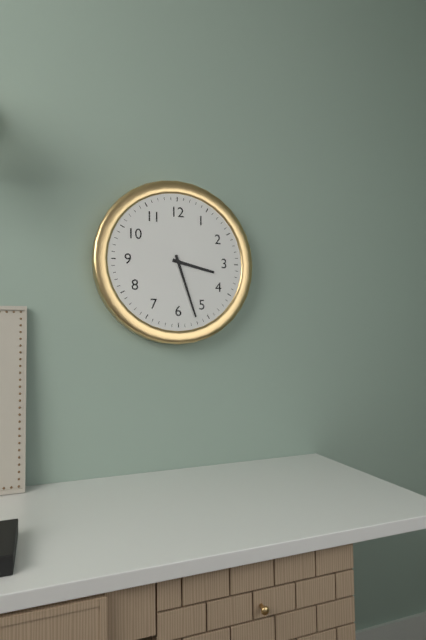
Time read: **3:27**
